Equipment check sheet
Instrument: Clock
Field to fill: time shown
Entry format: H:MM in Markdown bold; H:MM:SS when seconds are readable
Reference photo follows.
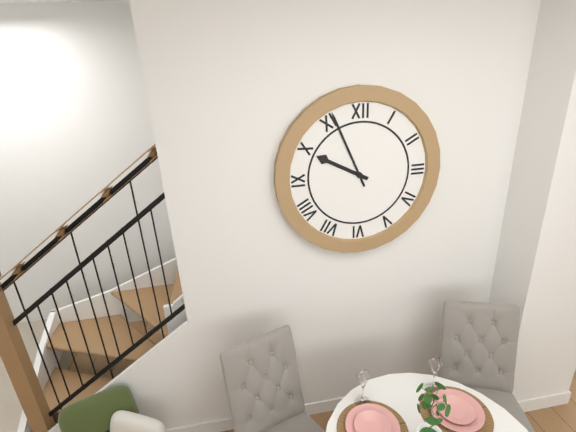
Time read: **9:56**
